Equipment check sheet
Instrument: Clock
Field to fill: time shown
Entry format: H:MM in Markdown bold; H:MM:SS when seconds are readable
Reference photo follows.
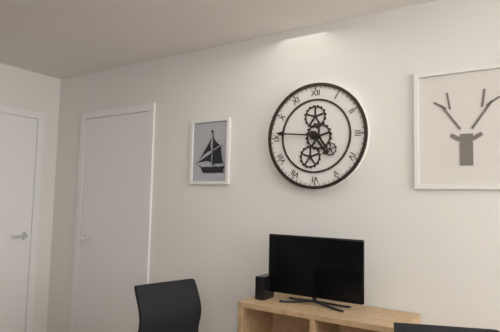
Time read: **4:46**
